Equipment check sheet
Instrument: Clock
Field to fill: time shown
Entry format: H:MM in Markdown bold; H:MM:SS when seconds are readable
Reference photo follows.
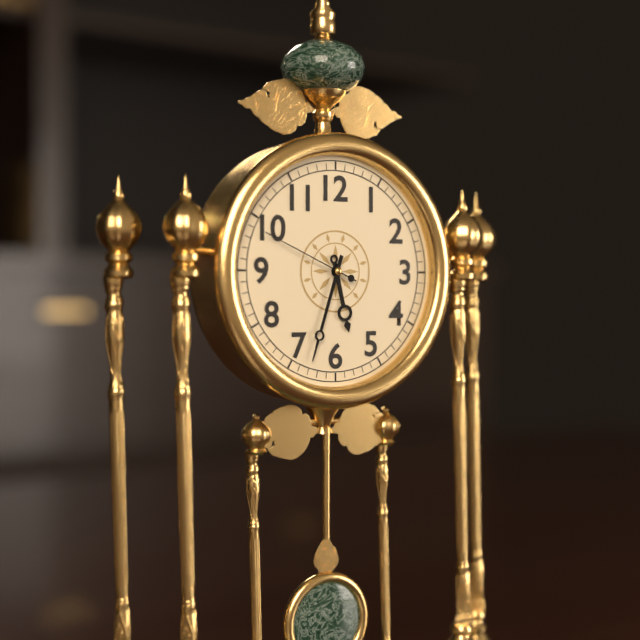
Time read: **5:33:49**
